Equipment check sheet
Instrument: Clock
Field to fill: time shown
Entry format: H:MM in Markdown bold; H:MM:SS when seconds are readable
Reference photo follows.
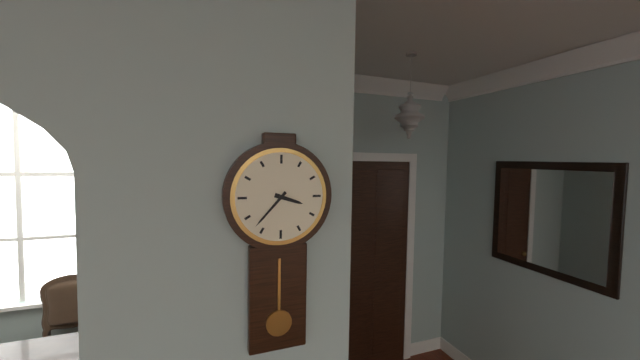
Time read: **3:37**
